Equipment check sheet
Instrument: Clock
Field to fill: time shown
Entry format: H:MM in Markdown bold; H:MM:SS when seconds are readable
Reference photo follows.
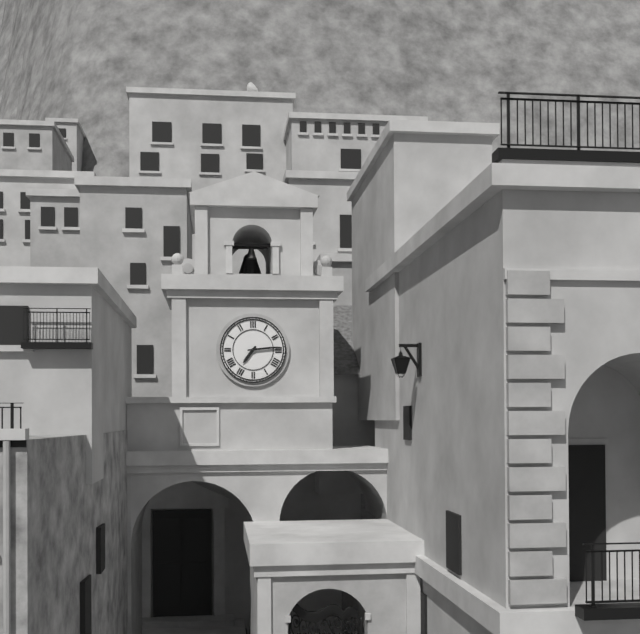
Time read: **7:14**
